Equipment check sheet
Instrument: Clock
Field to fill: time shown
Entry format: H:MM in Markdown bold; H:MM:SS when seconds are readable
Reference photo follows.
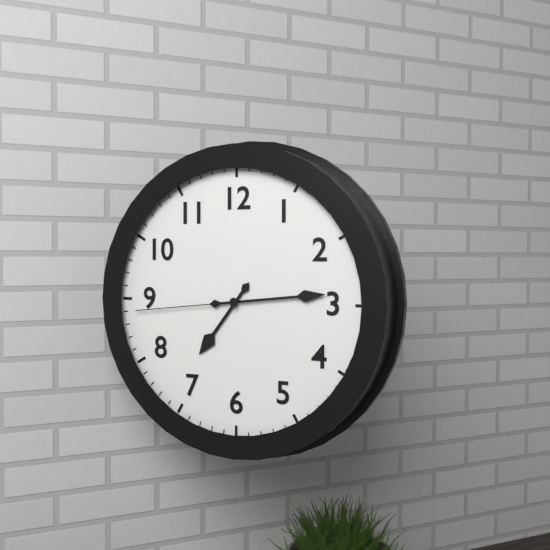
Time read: **7:14:44**
